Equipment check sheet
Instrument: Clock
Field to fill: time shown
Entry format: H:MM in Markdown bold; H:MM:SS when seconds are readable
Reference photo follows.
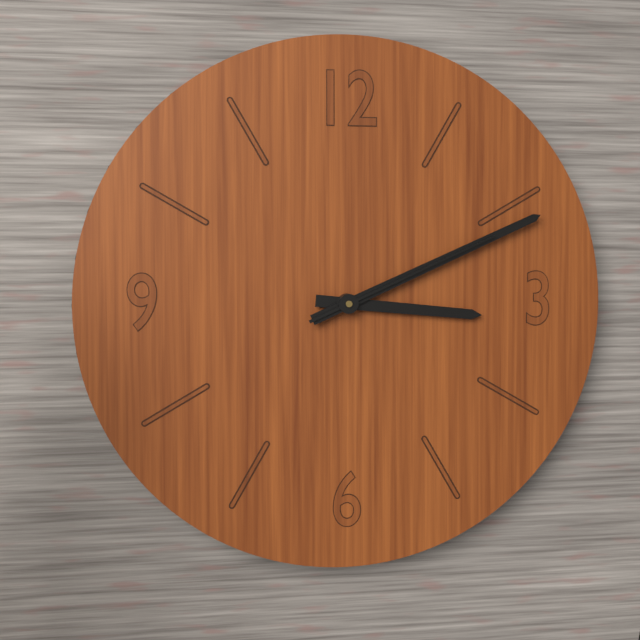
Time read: **3:11:11**
